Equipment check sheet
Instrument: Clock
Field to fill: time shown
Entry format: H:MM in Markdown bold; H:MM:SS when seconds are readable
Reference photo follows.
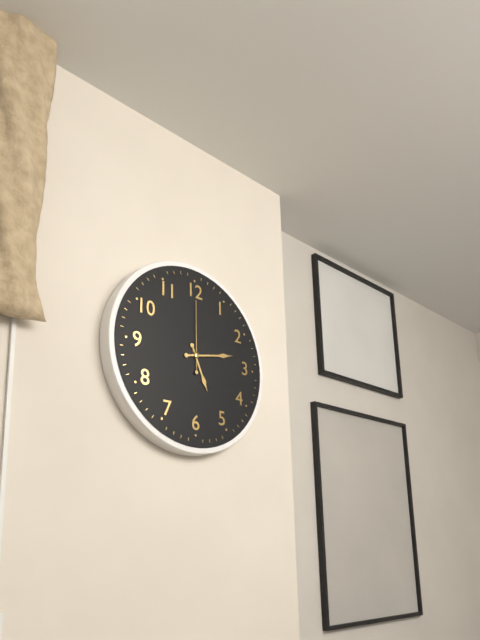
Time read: **5:13:00**
